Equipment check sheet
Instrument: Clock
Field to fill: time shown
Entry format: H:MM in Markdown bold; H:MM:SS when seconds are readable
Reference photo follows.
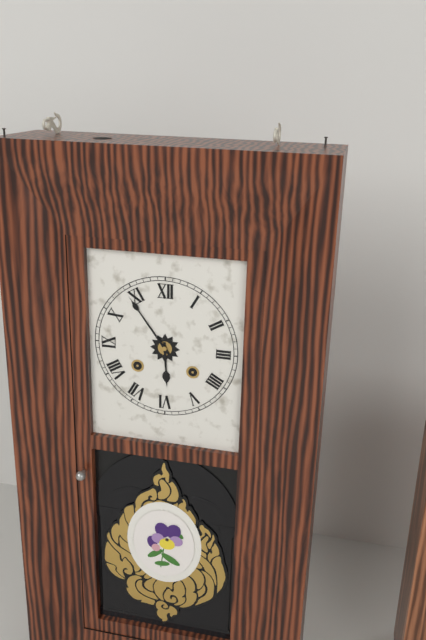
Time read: **5:54**
